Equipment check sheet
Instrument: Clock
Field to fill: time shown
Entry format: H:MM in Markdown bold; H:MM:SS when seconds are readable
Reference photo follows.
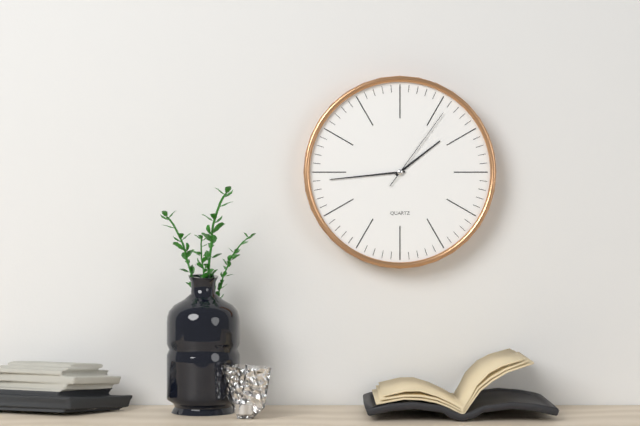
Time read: **1:44:06**
